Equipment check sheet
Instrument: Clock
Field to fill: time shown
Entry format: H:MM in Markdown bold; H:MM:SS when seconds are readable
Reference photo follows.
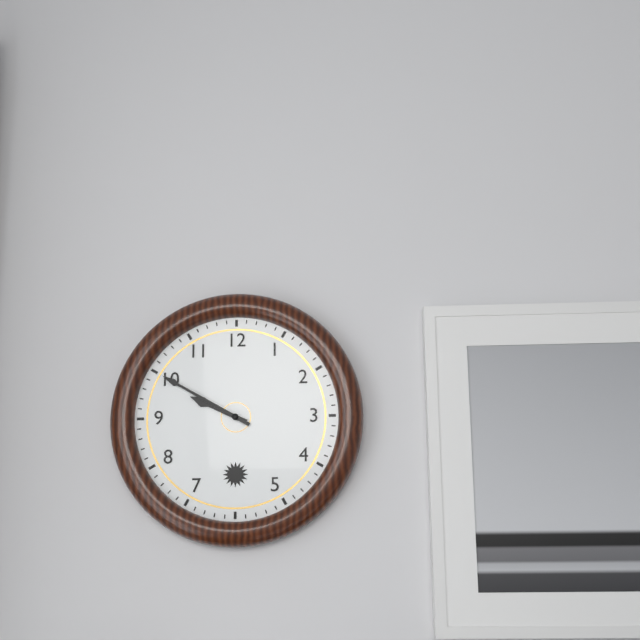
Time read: **9:50**
